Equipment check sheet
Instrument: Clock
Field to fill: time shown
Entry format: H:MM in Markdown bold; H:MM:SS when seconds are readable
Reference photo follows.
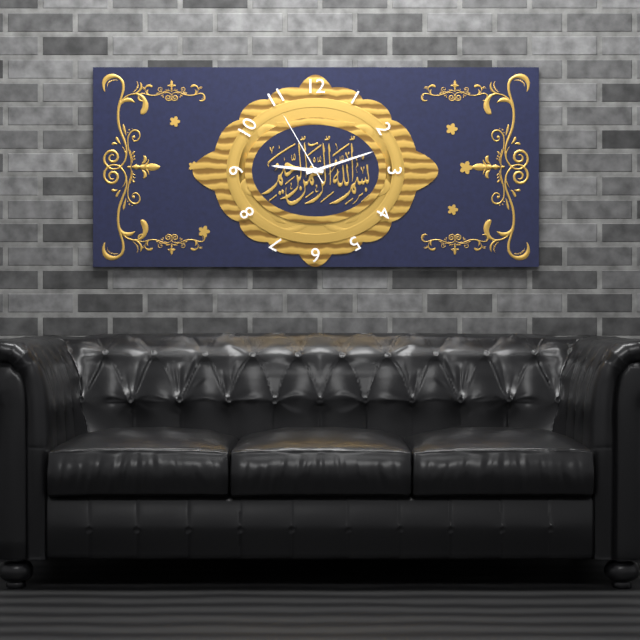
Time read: **9:12:55**
